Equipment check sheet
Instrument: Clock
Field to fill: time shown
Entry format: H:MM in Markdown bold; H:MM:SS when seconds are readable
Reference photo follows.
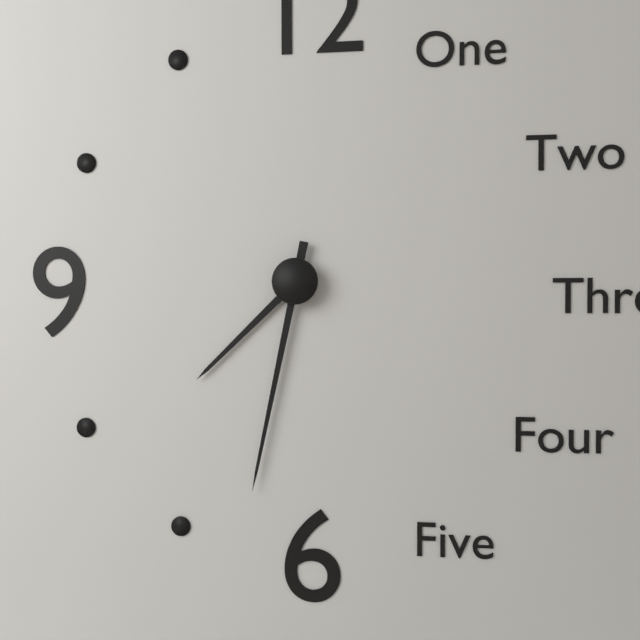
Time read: **7:32**
